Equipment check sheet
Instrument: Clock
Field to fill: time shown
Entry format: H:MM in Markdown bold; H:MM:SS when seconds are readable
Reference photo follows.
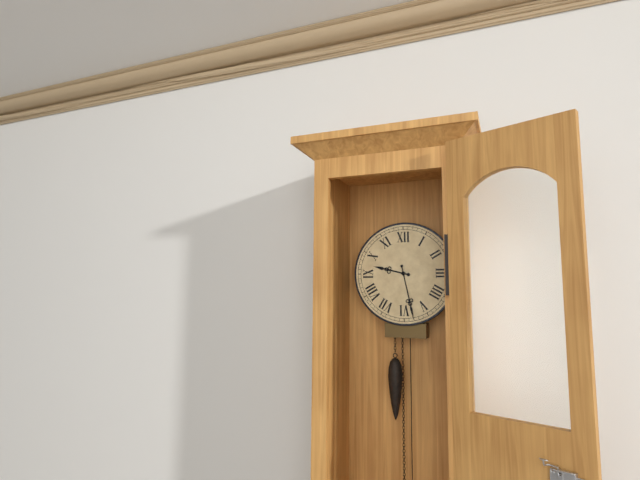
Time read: **9:28**
